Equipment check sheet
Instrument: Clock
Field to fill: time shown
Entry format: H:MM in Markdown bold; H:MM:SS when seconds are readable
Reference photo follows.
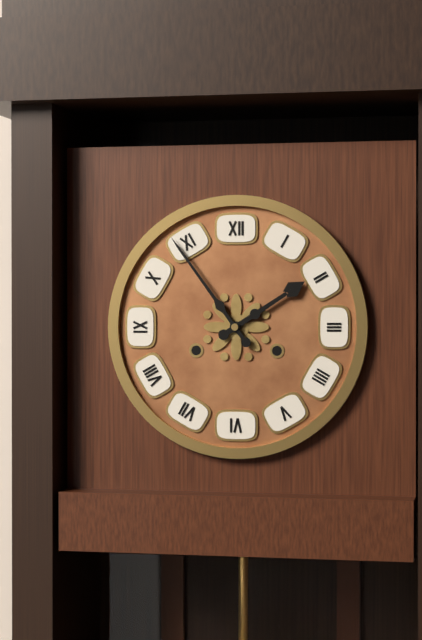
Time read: **1:54**
